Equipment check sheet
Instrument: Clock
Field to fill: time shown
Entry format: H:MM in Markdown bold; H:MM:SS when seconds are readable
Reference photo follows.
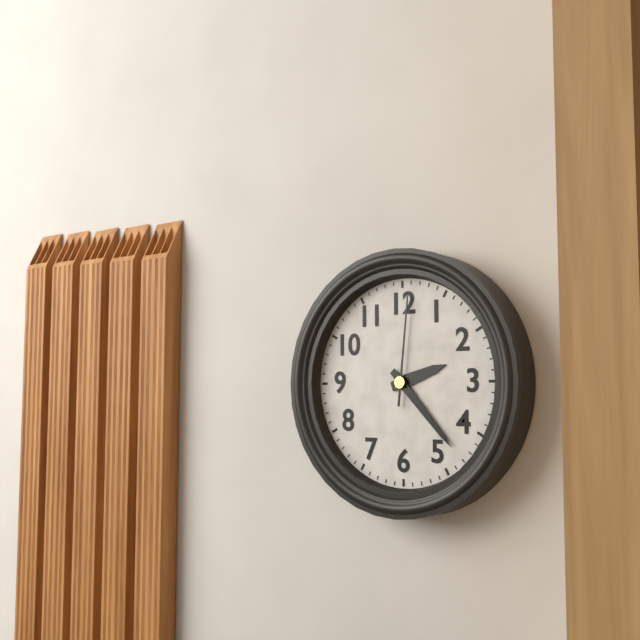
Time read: **2:23:01**
